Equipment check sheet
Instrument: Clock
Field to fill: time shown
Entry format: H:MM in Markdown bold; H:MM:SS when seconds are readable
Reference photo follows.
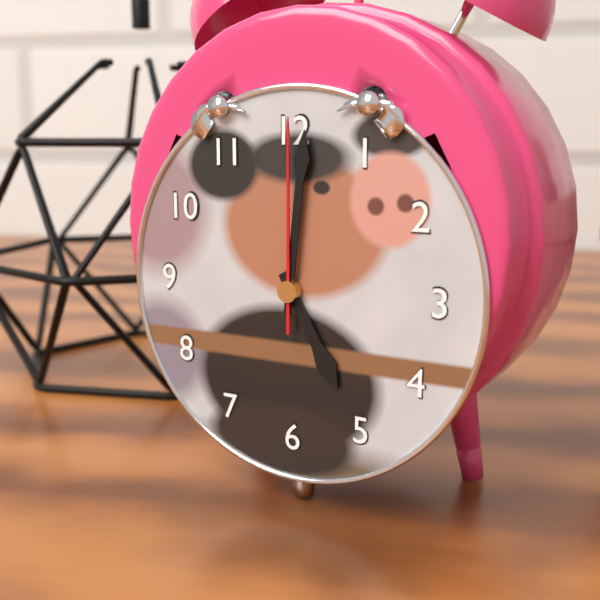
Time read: **5:01:00**
